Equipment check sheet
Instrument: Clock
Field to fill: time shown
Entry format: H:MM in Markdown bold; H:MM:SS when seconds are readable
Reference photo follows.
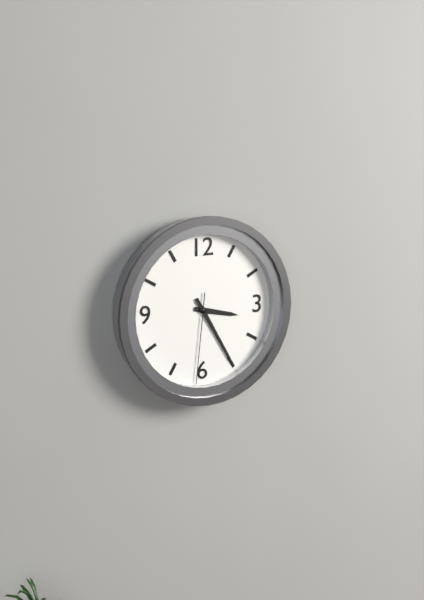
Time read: **3:25:31**
